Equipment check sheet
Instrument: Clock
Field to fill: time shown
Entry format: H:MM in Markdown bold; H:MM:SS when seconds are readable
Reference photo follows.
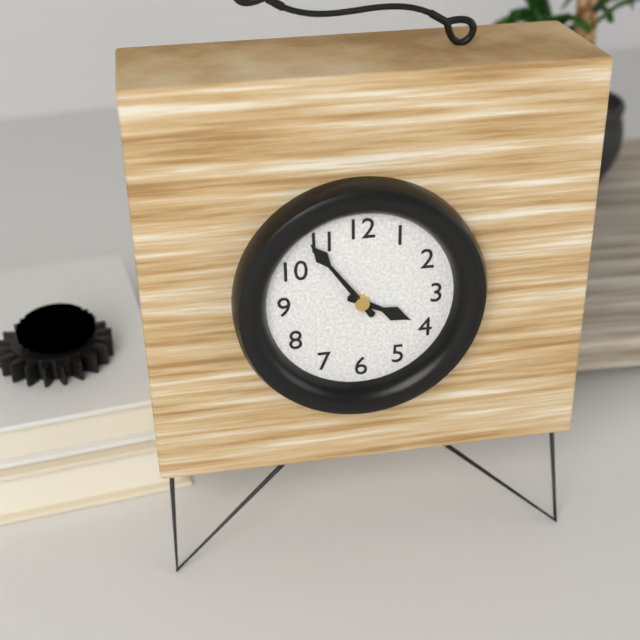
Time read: **3:54**
